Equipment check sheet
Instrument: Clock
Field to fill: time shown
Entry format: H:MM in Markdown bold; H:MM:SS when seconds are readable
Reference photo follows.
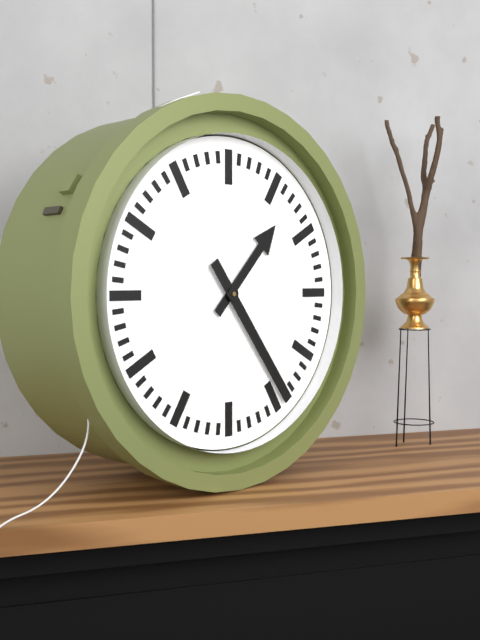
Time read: **1:24**
